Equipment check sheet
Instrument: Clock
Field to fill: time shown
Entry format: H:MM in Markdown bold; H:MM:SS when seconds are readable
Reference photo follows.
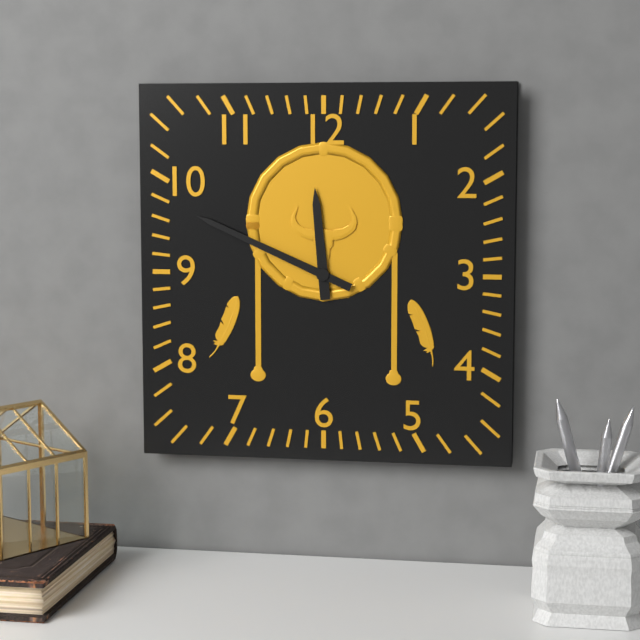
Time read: **11:49**
